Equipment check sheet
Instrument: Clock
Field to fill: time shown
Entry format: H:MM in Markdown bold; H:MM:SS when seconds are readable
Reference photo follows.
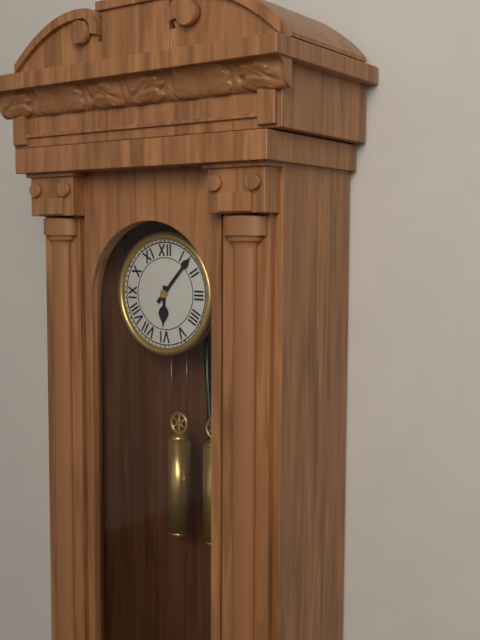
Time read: **6:07**
